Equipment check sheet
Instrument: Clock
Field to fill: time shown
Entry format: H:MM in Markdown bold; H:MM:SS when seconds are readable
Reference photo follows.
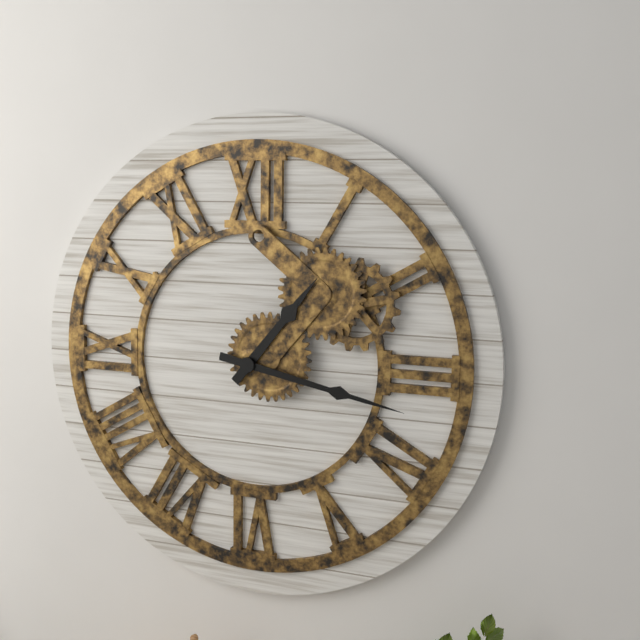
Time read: **1:17**
